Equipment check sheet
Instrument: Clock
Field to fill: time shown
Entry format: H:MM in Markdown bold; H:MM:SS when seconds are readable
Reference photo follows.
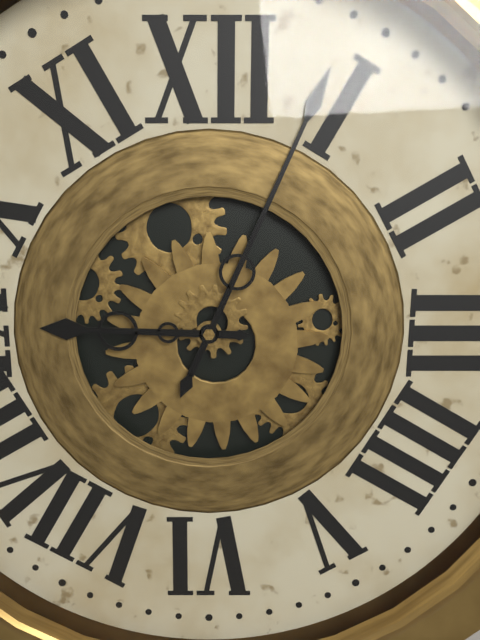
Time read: **9:04**
